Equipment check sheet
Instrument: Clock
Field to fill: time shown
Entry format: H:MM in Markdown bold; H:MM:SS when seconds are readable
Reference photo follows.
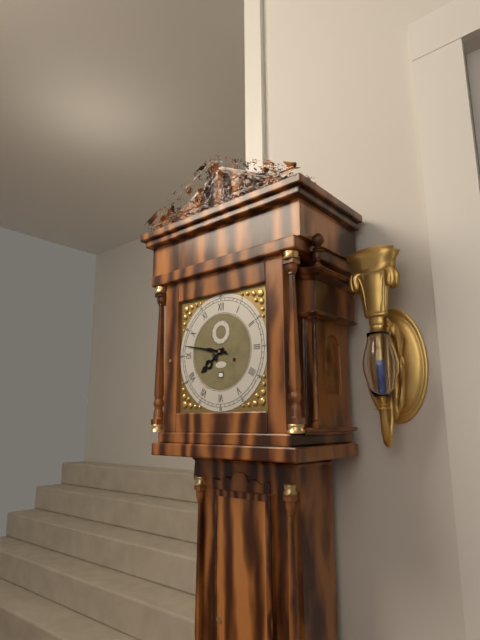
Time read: **7:47**
